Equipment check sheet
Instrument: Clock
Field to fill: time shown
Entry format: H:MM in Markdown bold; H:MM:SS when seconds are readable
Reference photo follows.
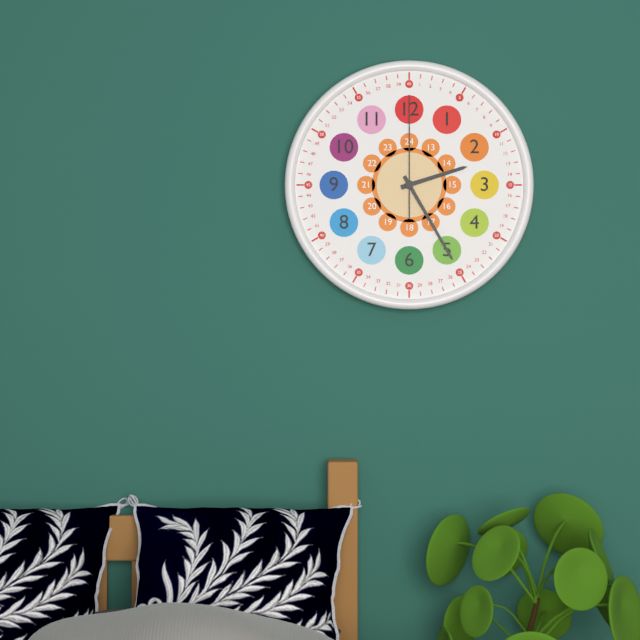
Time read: **2:25:00**
